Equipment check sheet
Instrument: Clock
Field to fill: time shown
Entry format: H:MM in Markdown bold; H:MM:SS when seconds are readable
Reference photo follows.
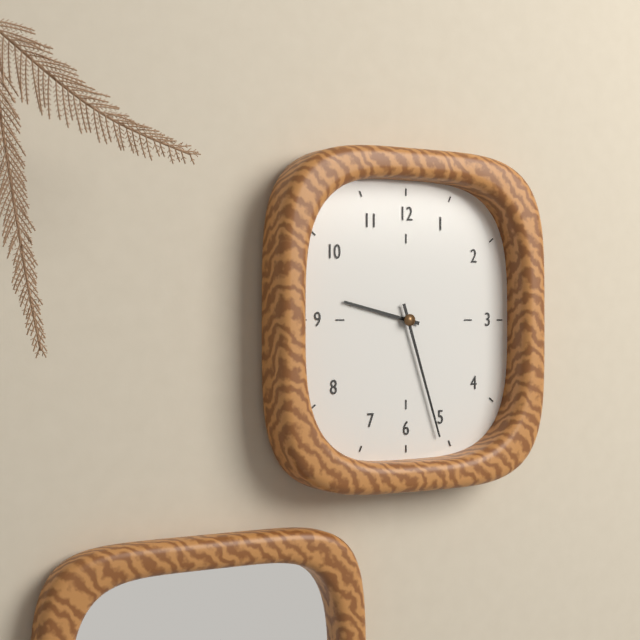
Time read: **9:27**
